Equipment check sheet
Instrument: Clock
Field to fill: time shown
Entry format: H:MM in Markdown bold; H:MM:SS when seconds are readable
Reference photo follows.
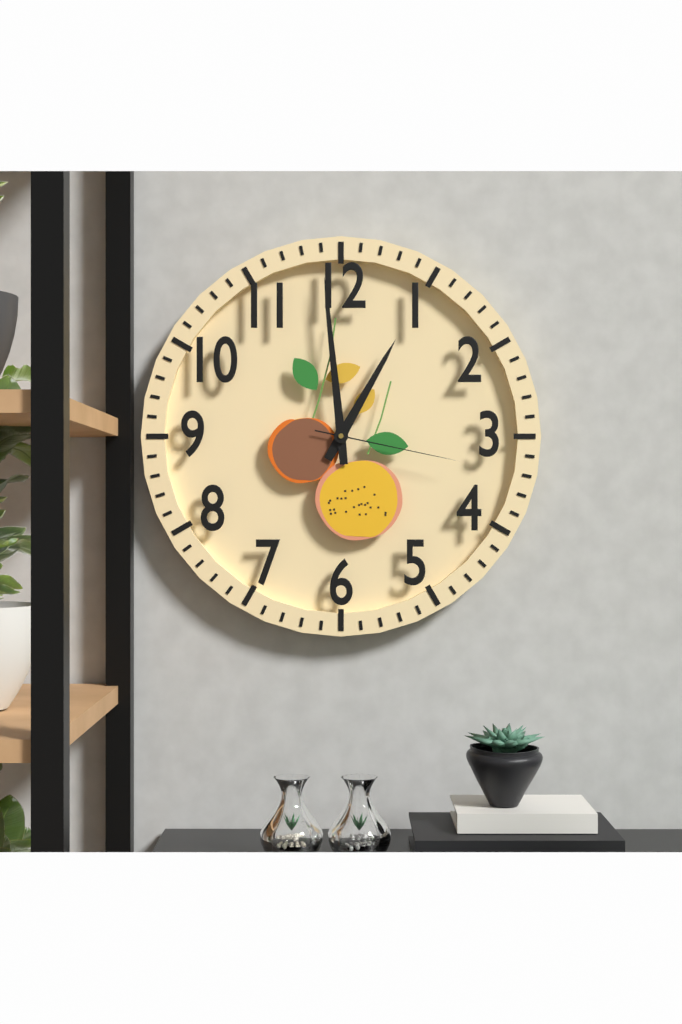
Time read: **12:59:17**
